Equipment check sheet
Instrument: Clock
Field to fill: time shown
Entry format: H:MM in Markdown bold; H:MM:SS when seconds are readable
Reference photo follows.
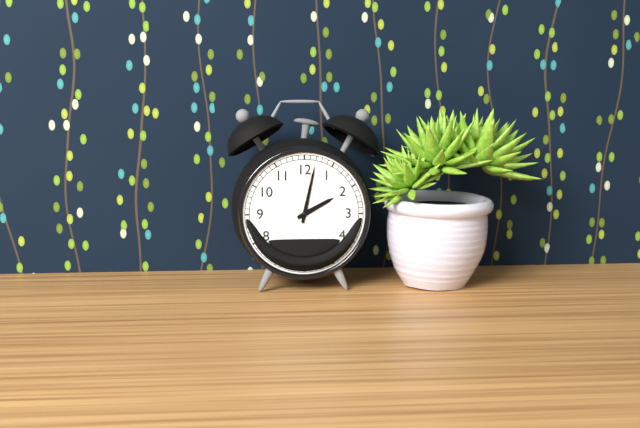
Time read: **2:02**
